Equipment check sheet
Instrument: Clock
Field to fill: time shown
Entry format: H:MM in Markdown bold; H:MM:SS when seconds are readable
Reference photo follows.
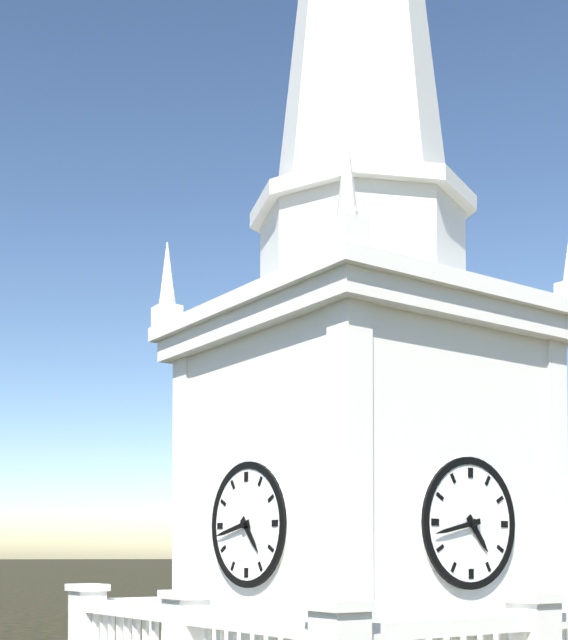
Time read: **4:43**
